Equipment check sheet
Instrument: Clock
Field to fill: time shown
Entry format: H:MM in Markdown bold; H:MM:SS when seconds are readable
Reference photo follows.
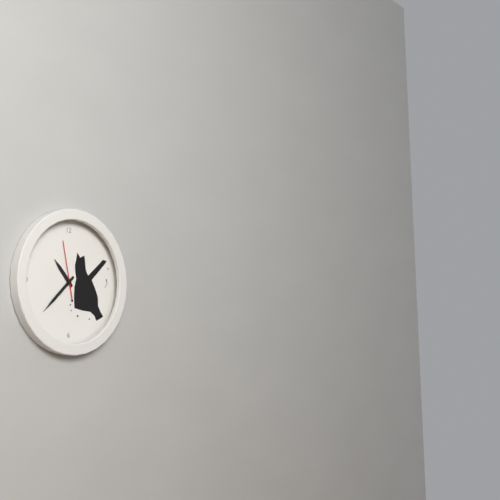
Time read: **10:38:58**
